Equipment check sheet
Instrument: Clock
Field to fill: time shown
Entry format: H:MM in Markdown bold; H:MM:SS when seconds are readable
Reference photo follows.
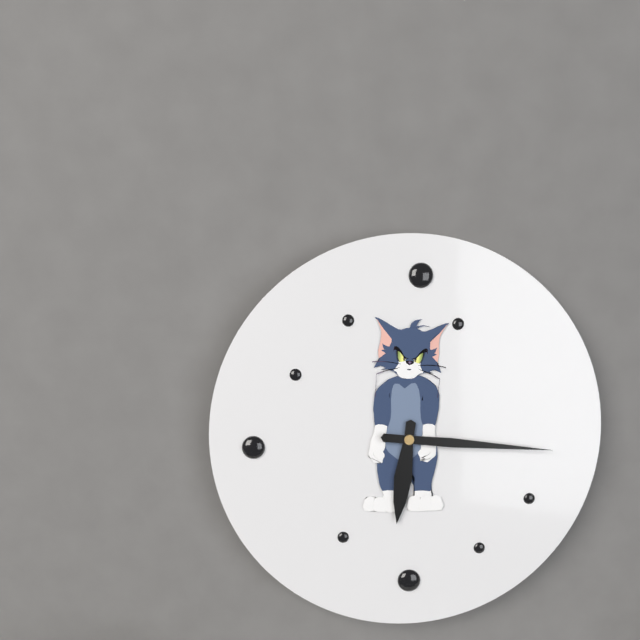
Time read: **6:16**
